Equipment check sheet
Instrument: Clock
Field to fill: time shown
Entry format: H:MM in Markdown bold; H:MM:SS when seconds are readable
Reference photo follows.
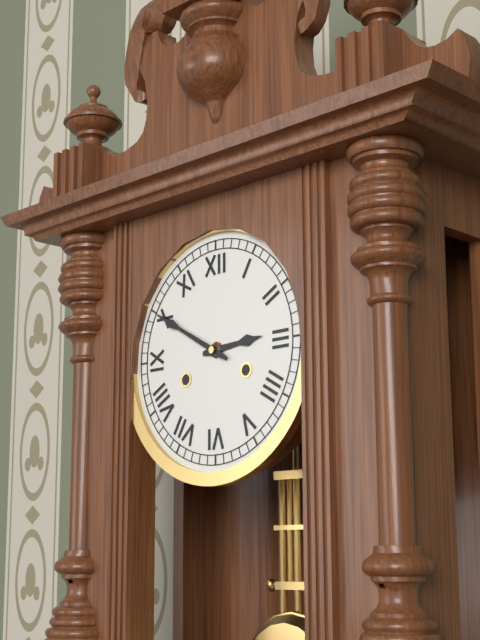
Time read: **2:50**
